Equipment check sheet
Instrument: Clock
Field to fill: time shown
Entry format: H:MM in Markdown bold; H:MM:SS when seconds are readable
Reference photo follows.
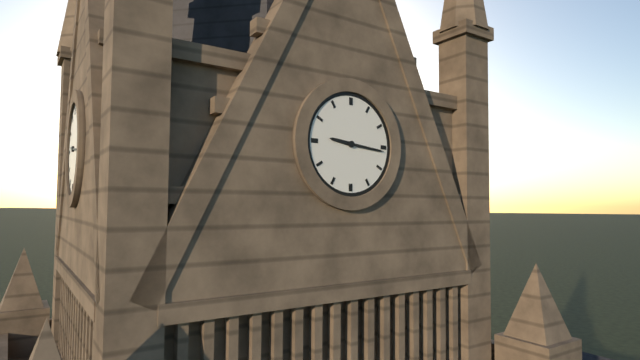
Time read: **9:16**
